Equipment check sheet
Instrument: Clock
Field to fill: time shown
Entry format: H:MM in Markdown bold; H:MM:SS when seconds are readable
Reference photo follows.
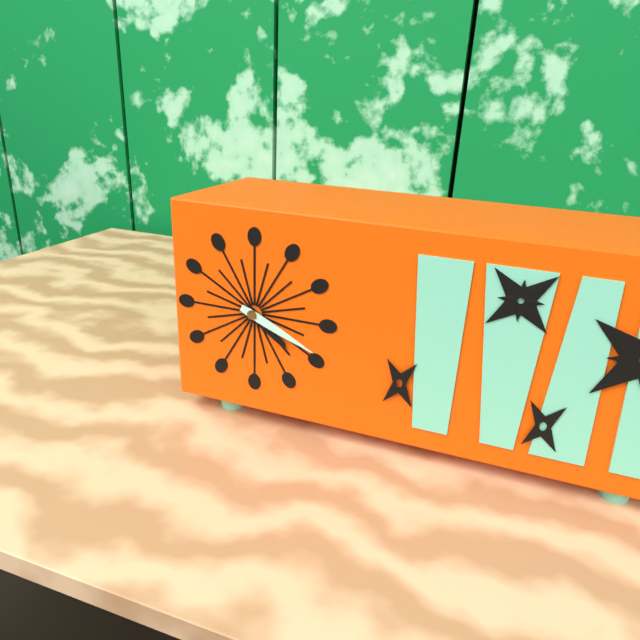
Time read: **4:19**
